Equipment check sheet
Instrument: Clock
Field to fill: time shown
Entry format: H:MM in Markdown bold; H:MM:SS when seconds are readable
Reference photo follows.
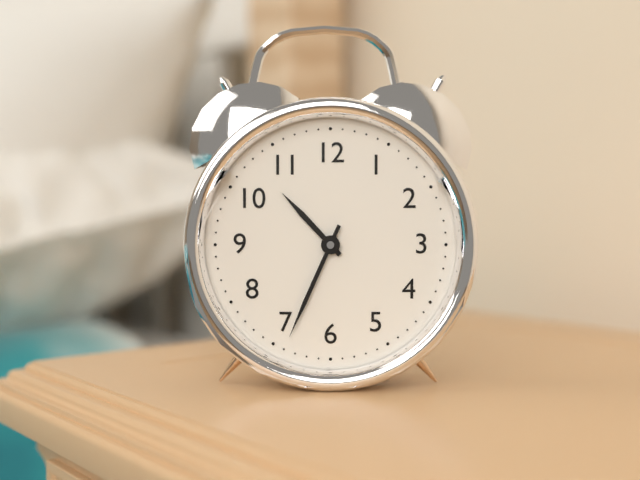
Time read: **10:34**
